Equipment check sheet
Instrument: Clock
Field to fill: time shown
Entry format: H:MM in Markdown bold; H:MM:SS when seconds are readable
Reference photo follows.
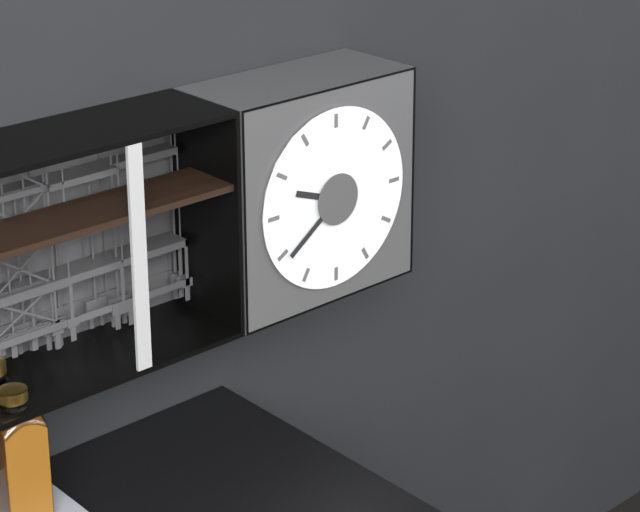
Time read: **9:39**
